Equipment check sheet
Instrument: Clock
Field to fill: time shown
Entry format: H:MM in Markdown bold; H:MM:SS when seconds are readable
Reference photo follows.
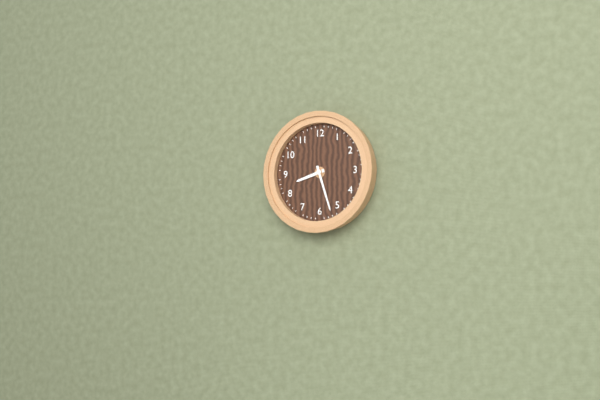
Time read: **8:27**
